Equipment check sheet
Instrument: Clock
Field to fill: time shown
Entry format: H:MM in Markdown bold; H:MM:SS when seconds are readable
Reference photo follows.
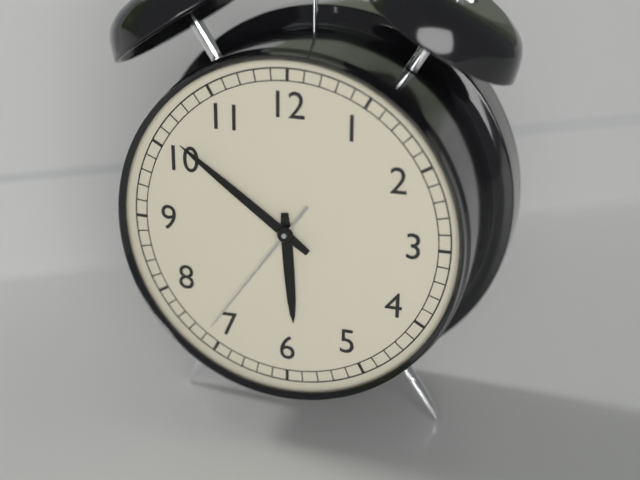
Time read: **5:51:36**
